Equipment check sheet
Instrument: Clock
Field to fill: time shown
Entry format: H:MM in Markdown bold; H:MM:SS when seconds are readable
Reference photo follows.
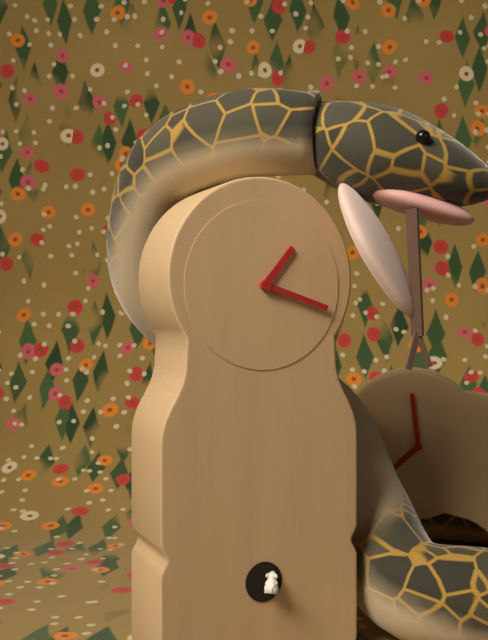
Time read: **1:18**
